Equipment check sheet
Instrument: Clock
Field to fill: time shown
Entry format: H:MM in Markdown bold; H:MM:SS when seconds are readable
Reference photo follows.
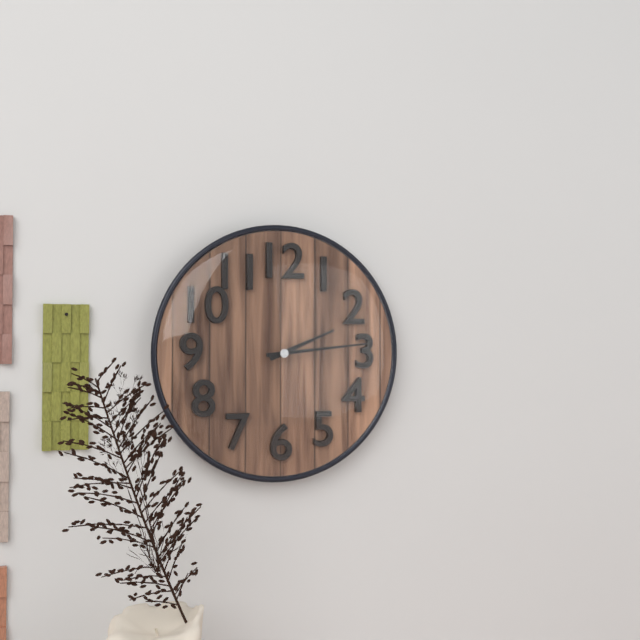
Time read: **2:14**
